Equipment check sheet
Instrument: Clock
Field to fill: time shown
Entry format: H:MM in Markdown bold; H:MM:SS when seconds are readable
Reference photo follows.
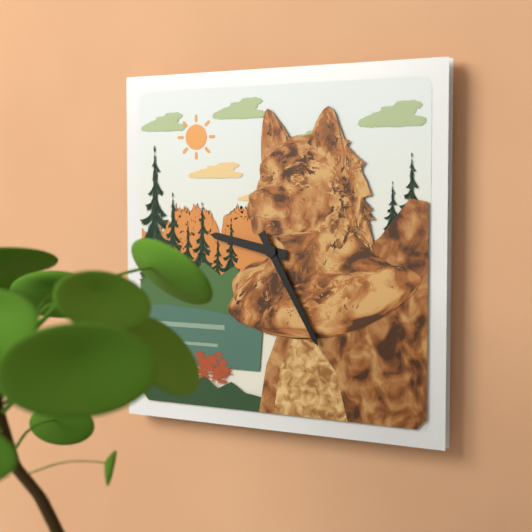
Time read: **9:25**
